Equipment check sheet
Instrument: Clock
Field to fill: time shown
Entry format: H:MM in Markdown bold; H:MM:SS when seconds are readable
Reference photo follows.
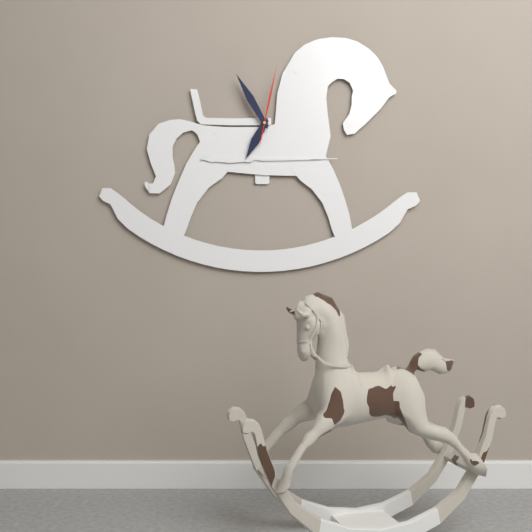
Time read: **6:55:02**
